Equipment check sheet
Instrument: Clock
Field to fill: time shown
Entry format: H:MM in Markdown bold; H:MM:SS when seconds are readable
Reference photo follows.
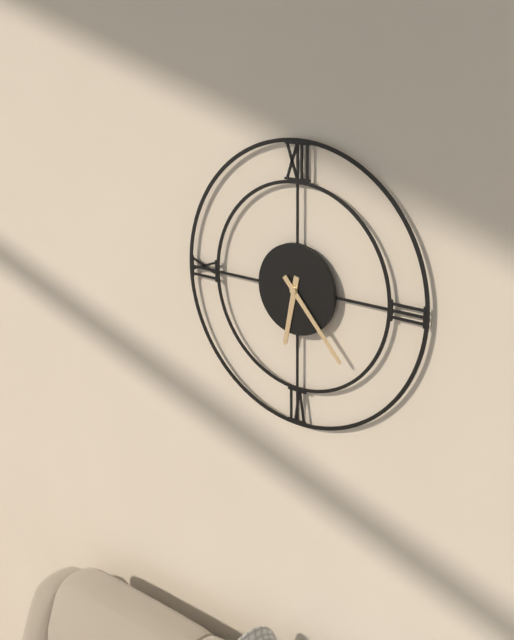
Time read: **6:23**
